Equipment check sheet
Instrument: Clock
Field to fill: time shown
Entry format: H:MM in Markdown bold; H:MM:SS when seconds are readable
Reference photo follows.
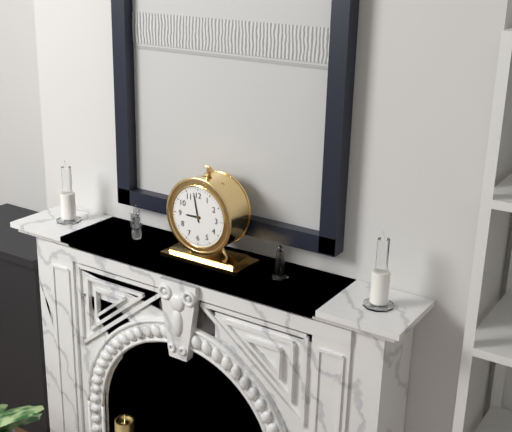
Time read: **8:58**
